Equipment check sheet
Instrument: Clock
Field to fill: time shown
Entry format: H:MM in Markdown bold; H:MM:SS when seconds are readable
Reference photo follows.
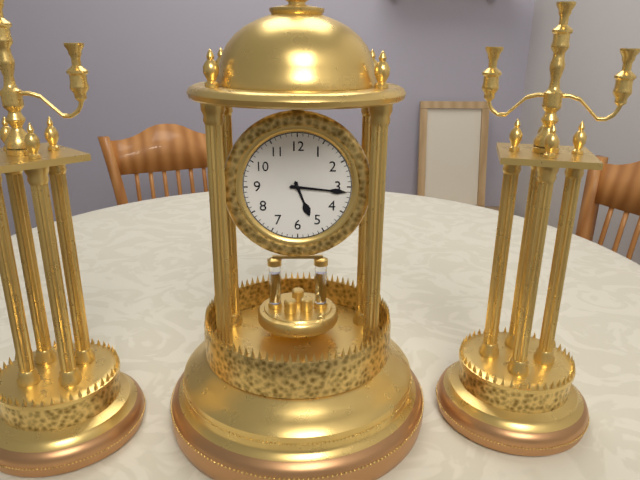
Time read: **5:16**
